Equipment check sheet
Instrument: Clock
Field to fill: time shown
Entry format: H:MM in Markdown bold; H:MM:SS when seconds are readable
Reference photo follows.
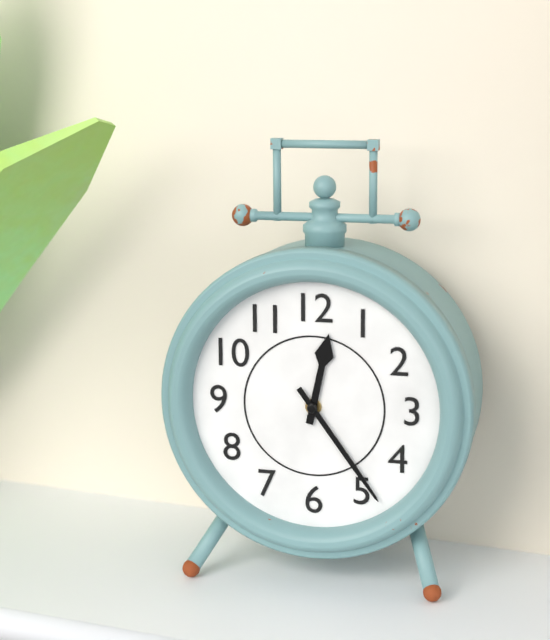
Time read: **12:24**
